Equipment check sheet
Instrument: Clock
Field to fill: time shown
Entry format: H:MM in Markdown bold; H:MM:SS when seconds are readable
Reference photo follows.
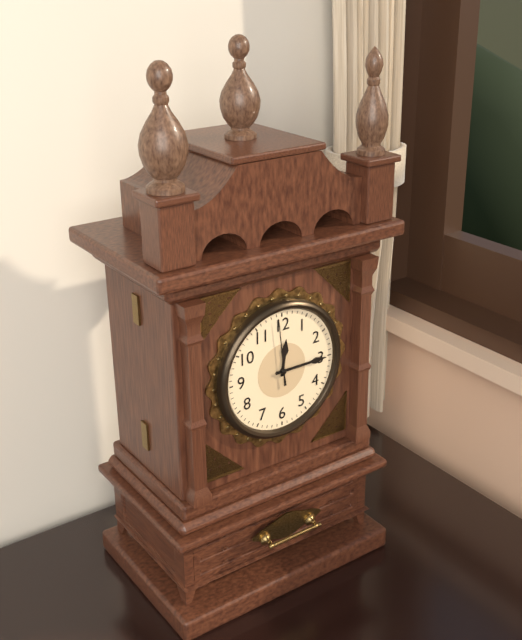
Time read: **12:15:59**
